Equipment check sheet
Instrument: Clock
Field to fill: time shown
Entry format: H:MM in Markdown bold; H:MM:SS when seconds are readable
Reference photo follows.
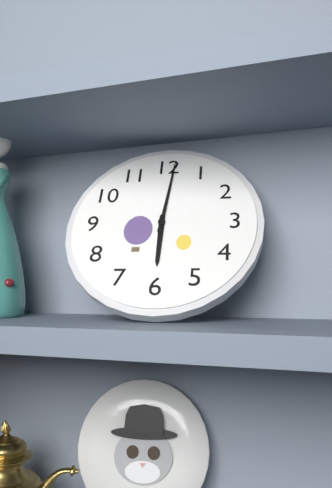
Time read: **6:01**
